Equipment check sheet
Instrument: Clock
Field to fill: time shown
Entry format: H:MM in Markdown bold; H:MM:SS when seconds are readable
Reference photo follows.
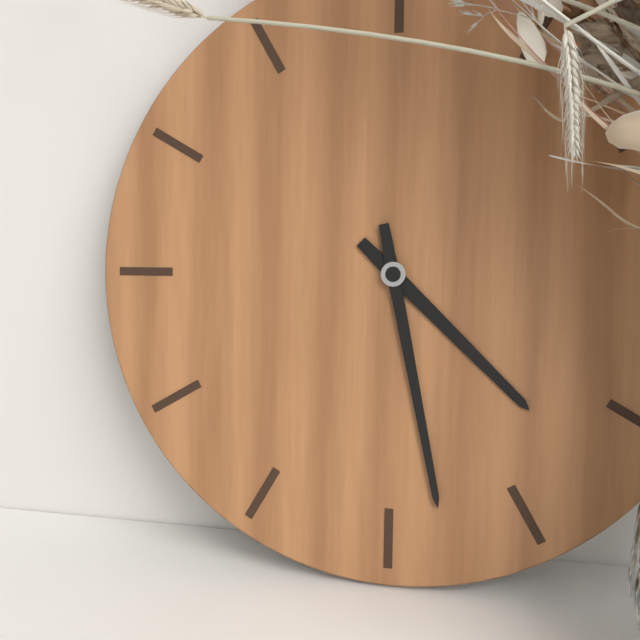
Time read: **4:28**
